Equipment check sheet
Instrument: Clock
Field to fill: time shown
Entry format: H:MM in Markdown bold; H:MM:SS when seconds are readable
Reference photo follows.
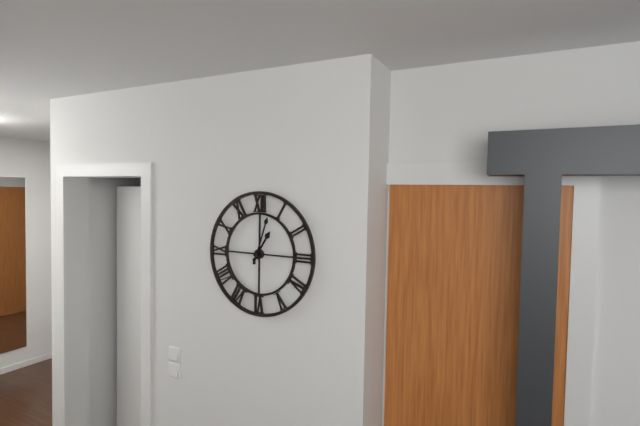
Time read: **1:03**
